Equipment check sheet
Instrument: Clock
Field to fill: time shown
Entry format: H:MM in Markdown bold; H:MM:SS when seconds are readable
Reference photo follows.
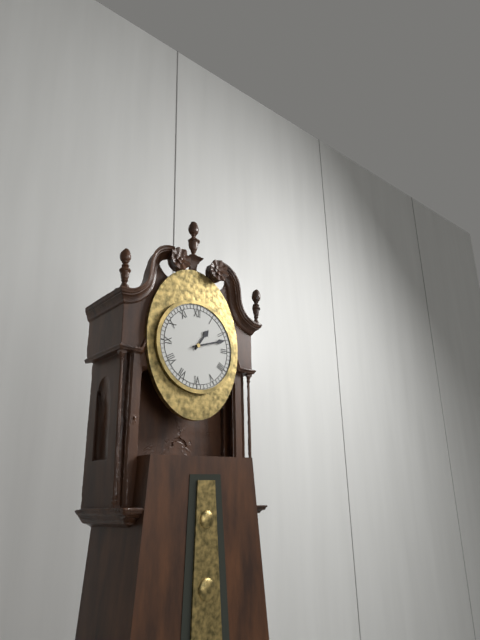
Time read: **1:12**
